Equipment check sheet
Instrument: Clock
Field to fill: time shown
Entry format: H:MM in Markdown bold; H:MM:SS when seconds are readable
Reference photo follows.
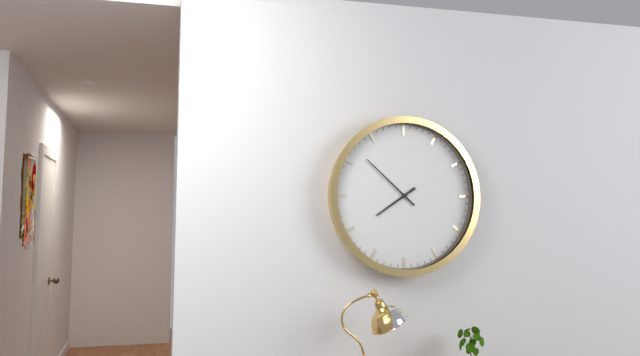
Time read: **7:52**
